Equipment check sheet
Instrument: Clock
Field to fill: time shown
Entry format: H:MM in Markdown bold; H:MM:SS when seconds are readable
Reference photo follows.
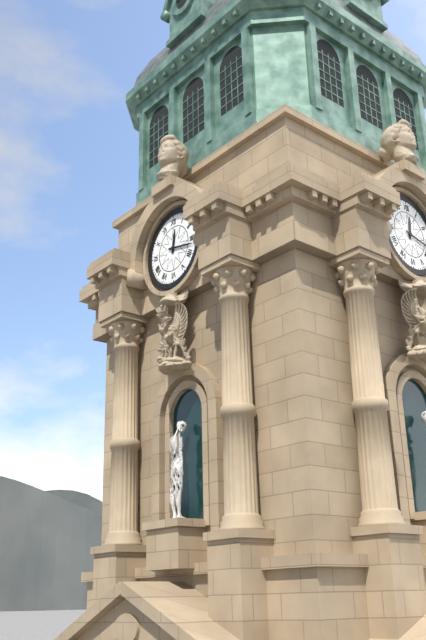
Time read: **12:17**
